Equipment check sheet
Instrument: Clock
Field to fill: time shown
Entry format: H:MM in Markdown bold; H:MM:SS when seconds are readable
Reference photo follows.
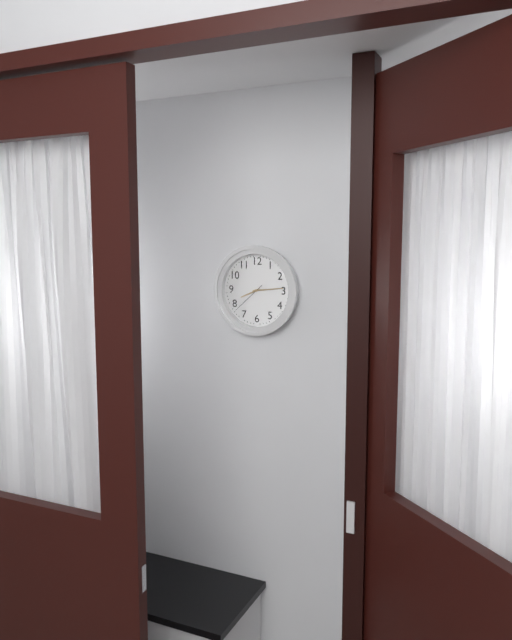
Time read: **8:14**
